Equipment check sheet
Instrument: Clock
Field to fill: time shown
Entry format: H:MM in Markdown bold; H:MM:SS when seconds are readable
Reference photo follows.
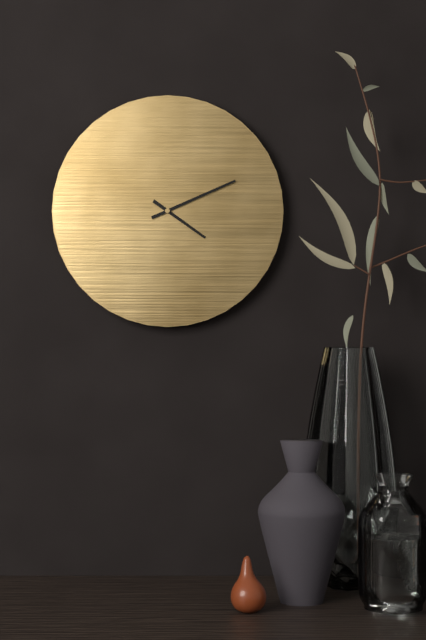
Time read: **4:11**
